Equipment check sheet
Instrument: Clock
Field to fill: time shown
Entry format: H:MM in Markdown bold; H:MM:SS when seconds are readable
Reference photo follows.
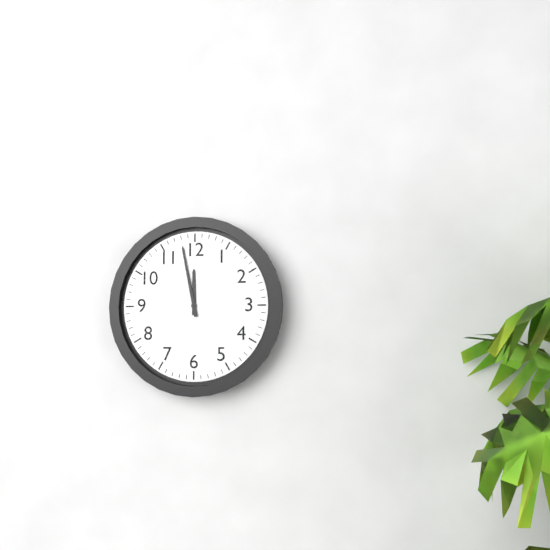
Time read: **11:58**
